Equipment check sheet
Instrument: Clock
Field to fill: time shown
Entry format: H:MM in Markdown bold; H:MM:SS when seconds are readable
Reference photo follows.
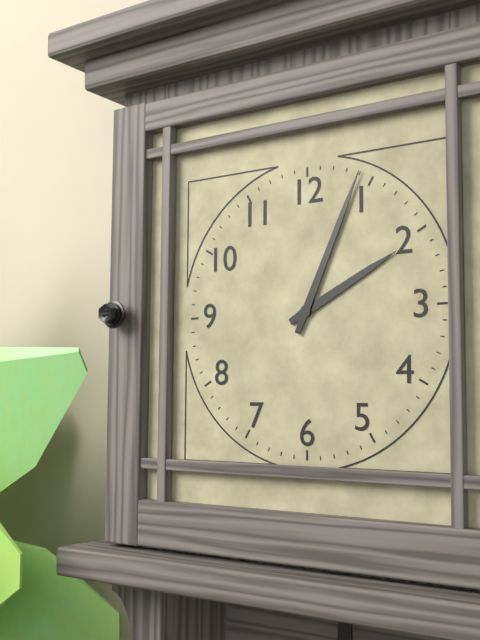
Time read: **2:04**
